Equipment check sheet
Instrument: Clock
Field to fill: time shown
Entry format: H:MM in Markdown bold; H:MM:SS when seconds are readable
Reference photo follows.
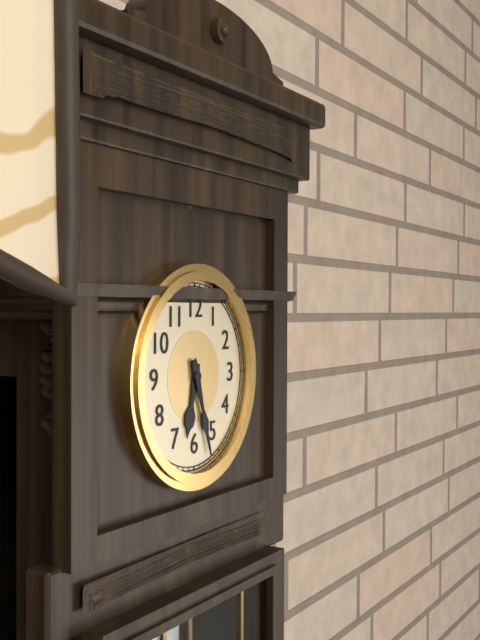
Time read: **6:27**
